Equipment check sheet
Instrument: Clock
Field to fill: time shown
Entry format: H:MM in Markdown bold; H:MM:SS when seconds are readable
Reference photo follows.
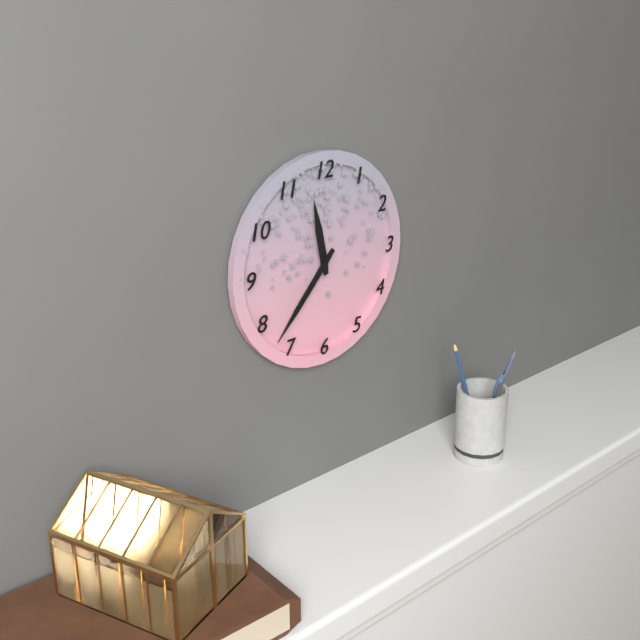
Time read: **11:37**
